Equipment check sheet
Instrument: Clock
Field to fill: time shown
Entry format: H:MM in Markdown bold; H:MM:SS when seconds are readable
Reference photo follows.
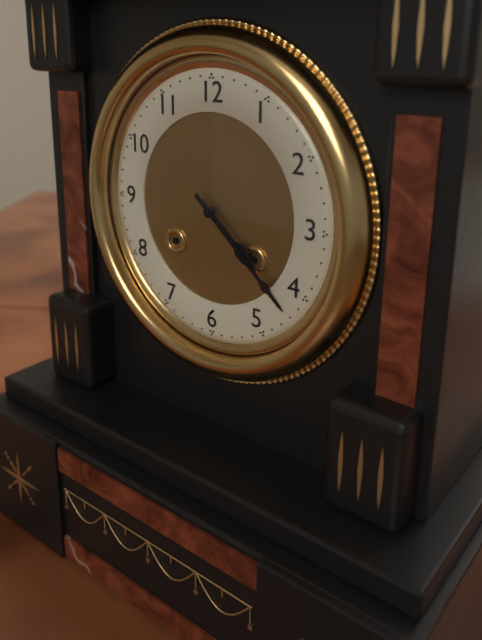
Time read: **4:22**
